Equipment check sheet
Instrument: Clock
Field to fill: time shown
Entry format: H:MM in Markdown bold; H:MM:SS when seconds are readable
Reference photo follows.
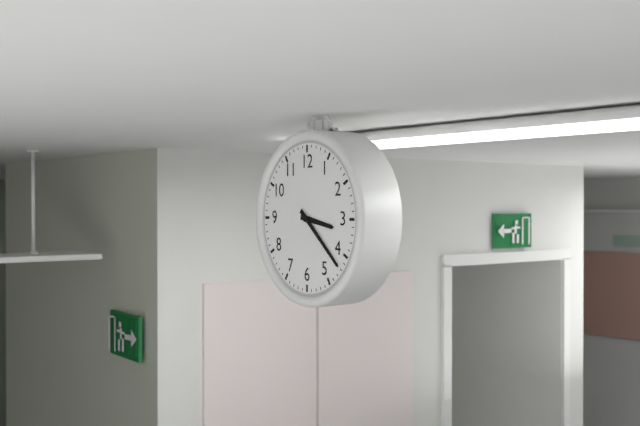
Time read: **3:22**
